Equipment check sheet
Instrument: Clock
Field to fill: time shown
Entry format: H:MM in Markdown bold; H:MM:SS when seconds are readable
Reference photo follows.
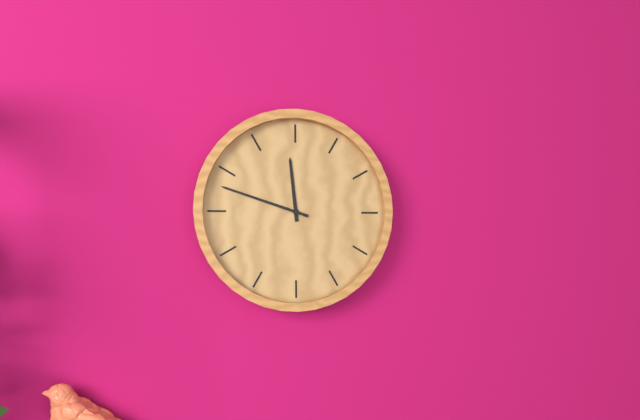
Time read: **11:48**
